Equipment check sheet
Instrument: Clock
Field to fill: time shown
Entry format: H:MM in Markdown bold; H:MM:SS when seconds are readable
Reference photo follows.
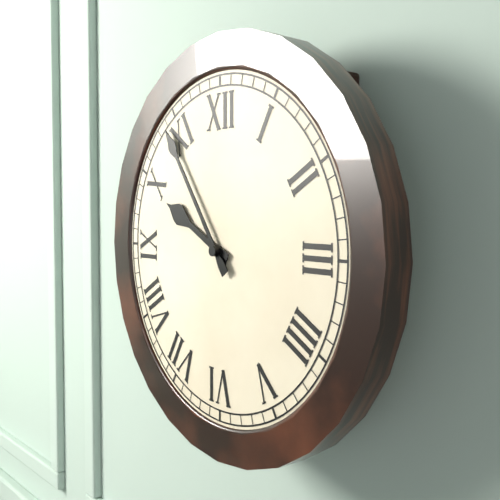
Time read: **9:54**
